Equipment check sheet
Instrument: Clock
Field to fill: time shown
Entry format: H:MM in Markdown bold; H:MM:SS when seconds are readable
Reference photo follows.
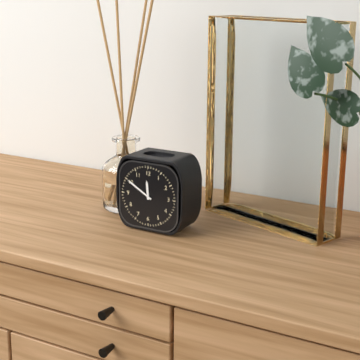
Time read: **11:50**
